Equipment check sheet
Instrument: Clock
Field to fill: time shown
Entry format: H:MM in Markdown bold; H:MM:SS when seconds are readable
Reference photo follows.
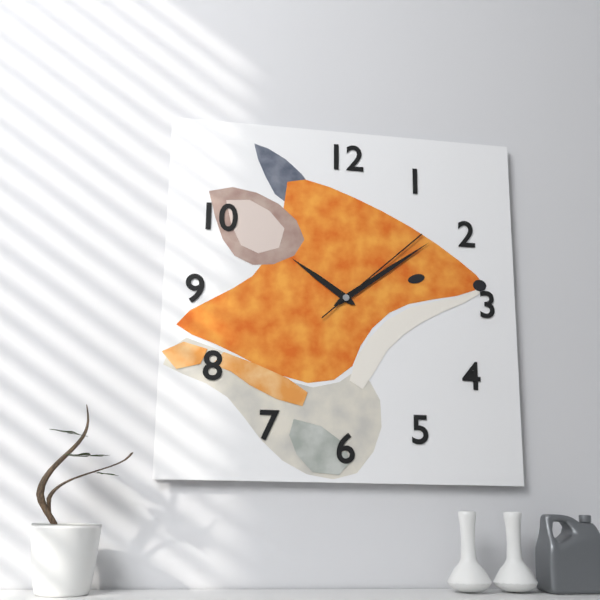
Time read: **10:09:08**
